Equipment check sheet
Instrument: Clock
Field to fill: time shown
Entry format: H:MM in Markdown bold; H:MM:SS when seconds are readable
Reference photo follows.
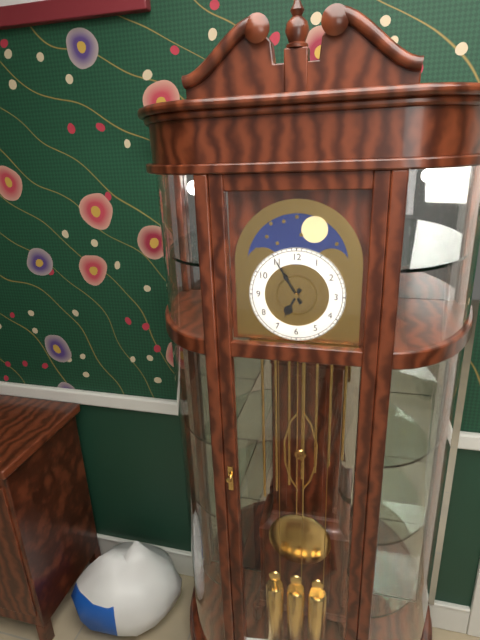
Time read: **6:55**
